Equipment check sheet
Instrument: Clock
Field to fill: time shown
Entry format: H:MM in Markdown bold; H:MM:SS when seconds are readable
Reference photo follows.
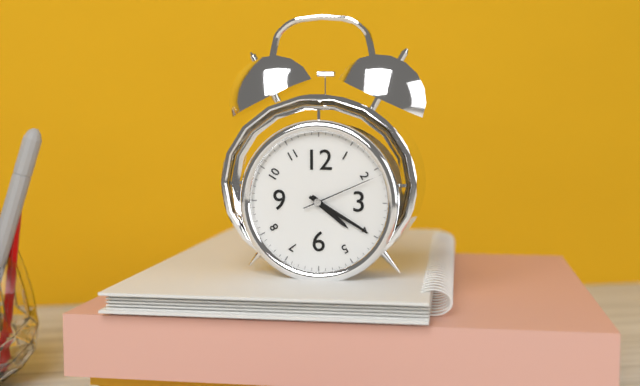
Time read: **4:20:11**
